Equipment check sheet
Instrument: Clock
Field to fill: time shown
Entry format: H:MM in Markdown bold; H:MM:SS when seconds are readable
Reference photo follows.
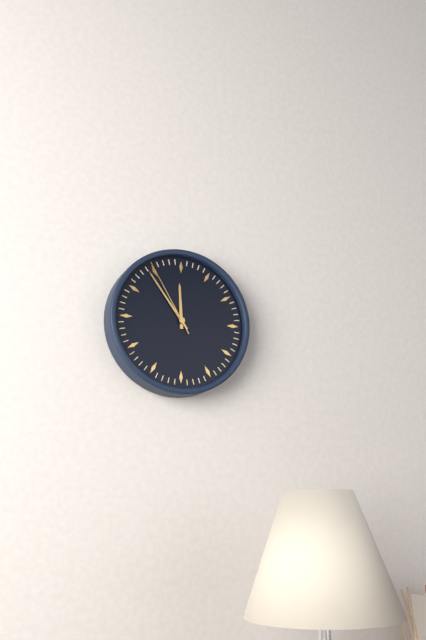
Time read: **11:54:55**
